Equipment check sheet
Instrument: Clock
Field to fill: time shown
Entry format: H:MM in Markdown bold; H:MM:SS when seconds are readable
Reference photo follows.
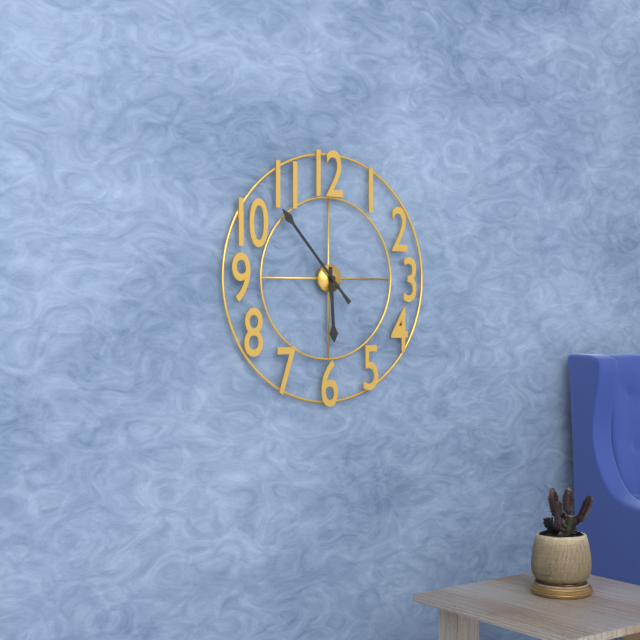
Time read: **5:53**
